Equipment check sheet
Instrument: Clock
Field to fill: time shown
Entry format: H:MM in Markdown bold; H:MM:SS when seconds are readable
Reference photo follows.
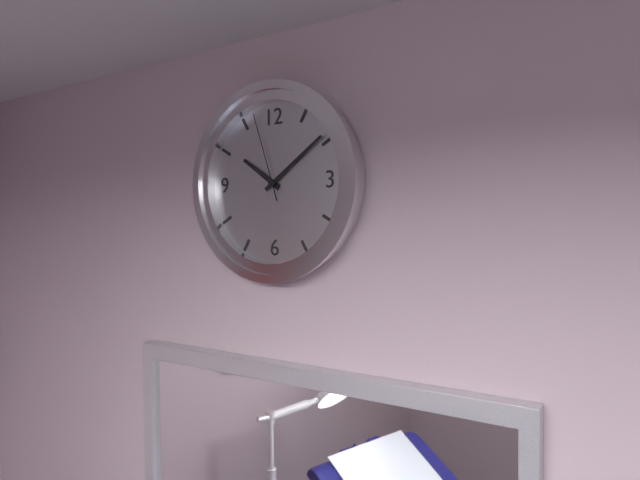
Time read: **10:09:57**
